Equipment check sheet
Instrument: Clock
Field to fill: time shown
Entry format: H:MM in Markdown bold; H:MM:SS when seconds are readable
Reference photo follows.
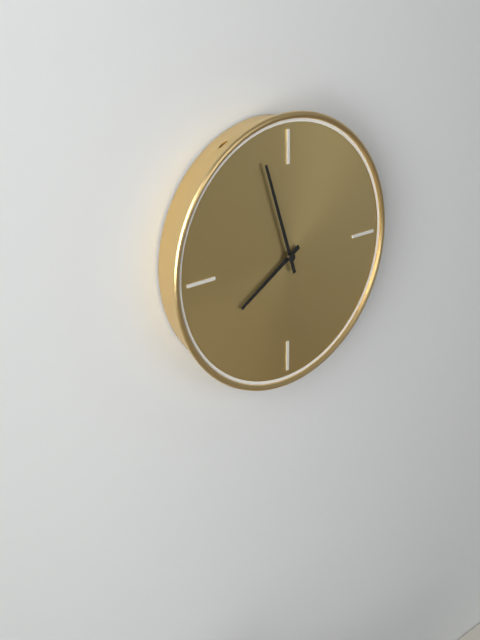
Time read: **7:57**
